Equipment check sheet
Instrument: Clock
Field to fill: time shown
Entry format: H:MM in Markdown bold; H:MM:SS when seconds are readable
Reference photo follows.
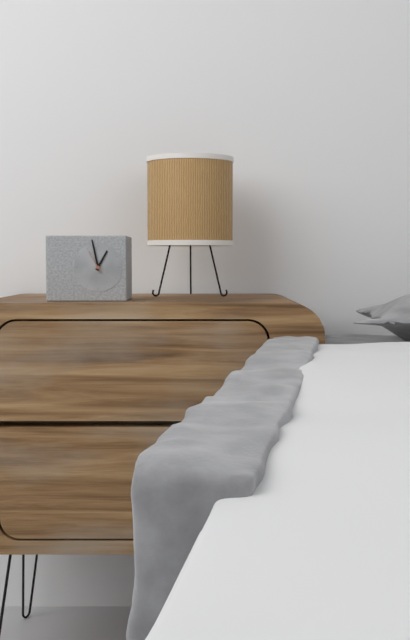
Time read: **12:58**
